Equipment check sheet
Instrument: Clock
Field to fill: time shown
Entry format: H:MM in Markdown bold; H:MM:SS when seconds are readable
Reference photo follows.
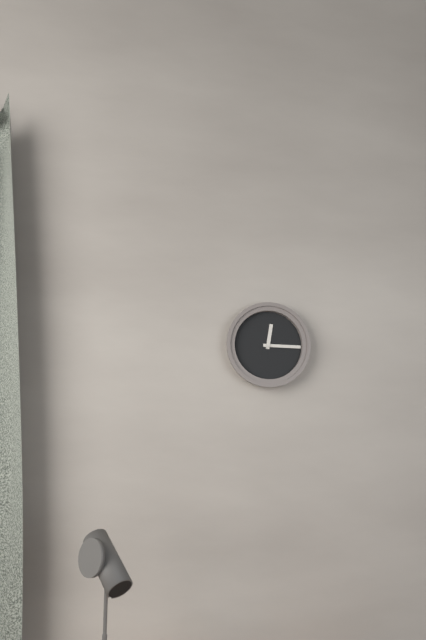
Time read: **12:15**
